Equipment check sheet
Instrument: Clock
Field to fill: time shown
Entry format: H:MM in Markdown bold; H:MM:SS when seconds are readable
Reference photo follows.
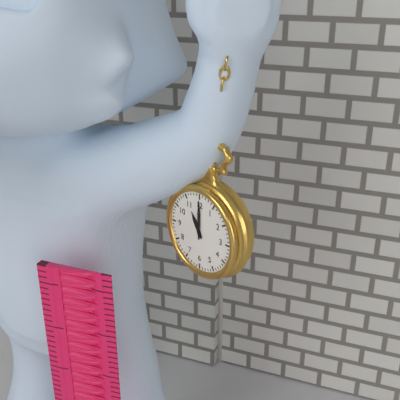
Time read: **11:00**
